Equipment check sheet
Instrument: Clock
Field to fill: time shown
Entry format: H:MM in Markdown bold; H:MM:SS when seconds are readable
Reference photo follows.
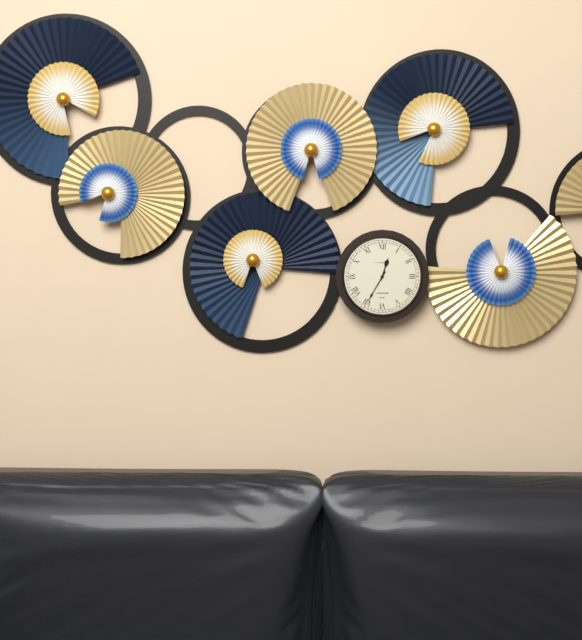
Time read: **12:35**
